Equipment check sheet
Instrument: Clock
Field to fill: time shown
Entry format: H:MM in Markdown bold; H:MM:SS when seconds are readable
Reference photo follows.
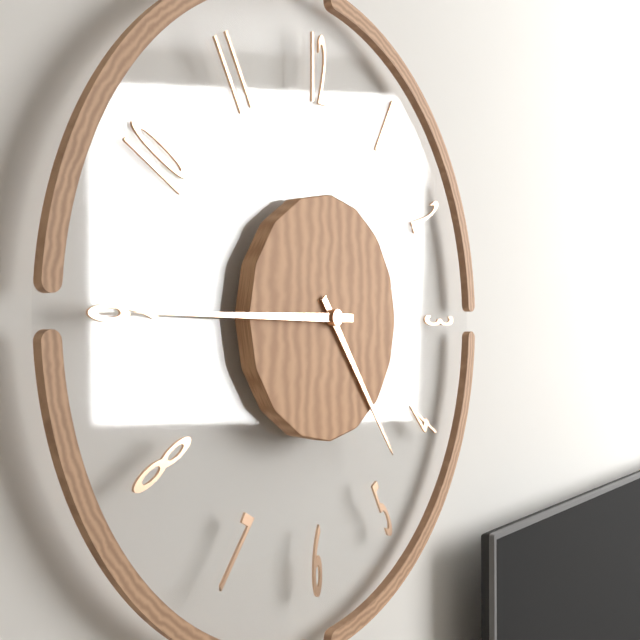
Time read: **4:45**
